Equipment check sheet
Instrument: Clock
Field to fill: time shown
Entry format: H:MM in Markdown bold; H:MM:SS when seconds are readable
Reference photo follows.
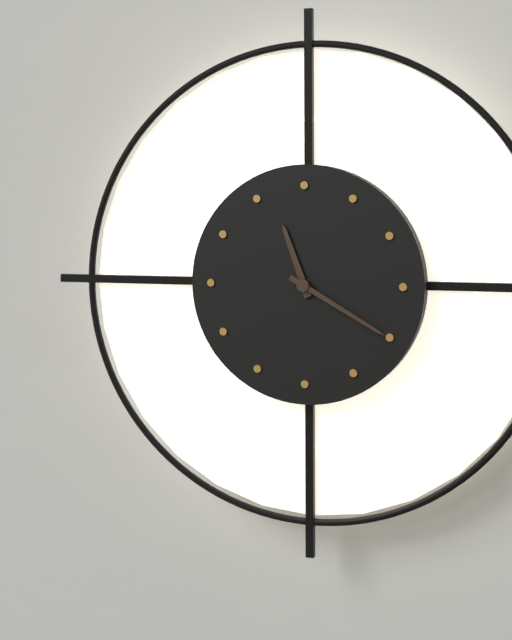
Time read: **11:20**
